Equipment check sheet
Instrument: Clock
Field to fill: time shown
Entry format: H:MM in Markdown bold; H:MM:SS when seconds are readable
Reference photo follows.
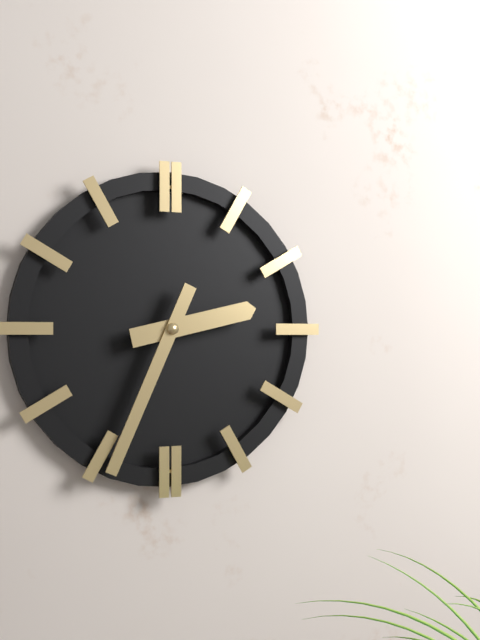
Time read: **2:34**
